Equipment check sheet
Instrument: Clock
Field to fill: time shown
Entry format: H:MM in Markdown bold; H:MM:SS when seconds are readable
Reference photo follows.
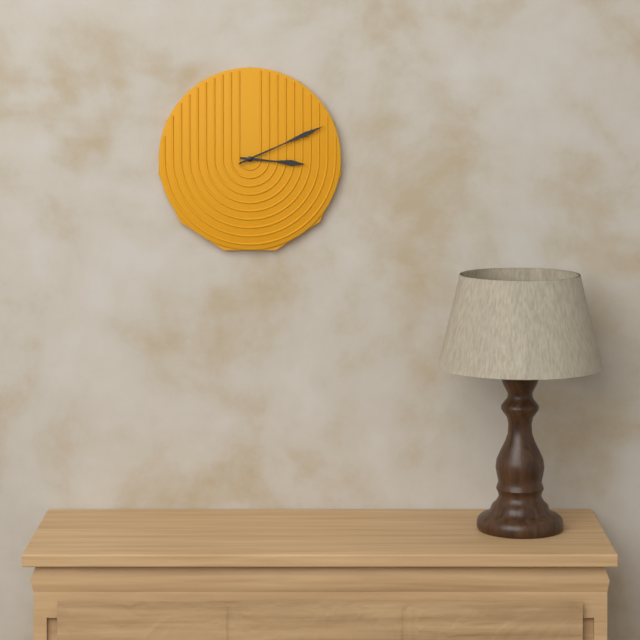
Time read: **3:11**
